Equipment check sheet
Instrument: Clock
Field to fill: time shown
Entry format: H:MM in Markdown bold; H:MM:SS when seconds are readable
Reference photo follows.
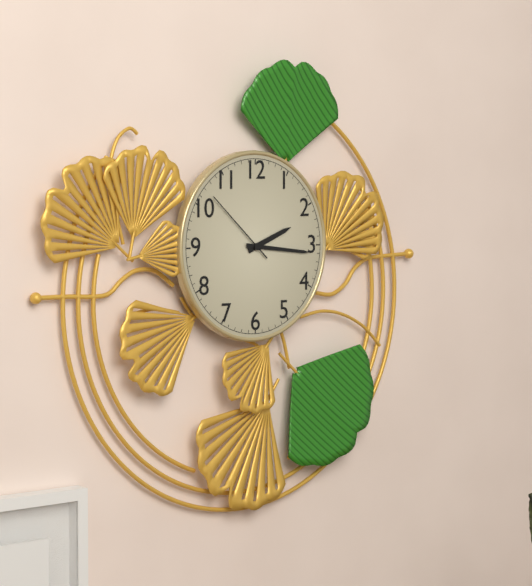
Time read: **2:16:52**
